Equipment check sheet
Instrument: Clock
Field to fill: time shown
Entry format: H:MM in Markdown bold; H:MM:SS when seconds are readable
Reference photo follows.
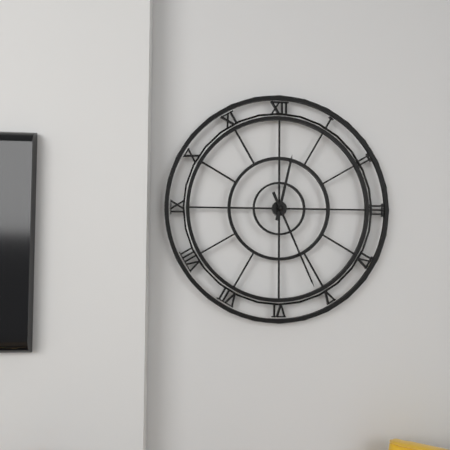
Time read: **12:26**
